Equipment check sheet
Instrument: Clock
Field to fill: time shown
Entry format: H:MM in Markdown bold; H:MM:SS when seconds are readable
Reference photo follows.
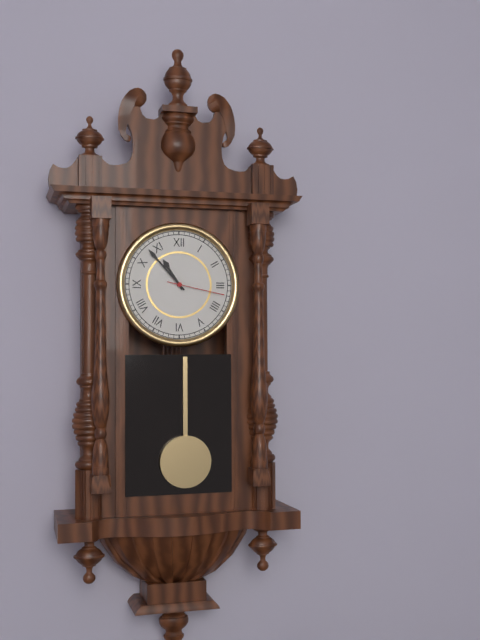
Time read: **10:53:17**
